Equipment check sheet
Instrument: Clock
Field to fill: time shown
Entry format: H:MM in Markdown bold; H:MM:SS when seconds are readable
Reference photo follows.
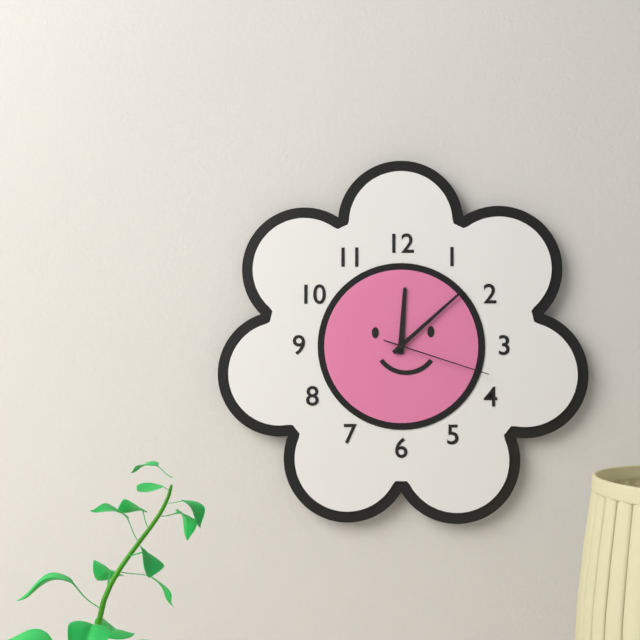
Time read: **12:08:18**
